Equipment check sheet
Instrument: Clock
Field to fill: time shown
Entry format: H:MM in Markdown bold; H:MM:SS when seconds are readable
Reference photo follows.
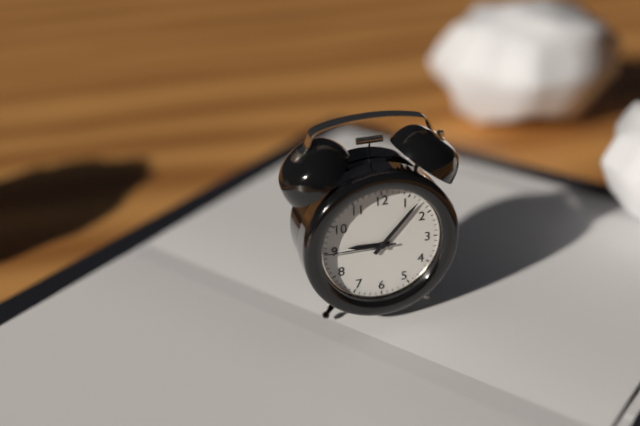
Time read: **9:07:45**
